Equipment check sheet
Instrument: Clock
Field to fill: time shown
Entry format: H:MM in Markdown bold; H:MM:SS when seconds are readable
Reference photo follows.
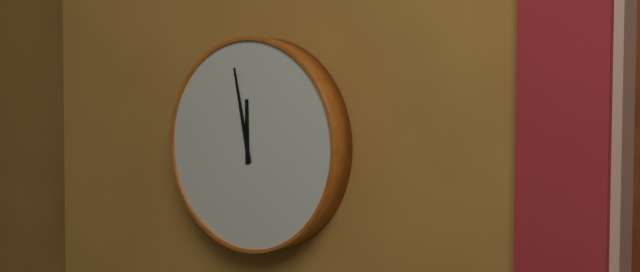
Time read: **11:58**
